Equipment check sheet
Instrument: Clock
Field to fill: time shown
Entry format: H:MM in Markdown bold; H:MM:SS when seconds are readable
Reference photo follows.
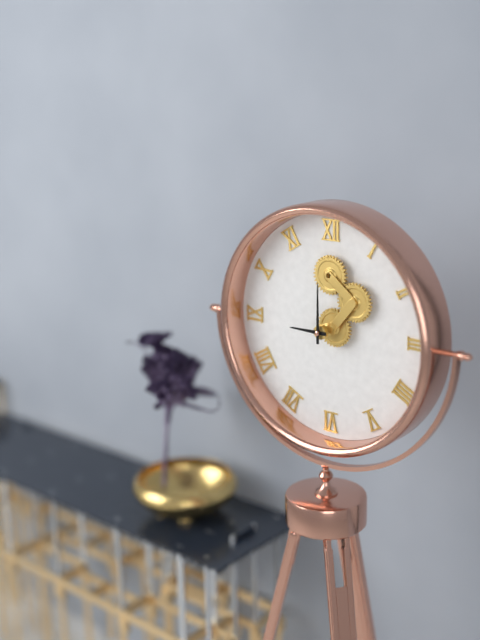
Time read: **9:00**
